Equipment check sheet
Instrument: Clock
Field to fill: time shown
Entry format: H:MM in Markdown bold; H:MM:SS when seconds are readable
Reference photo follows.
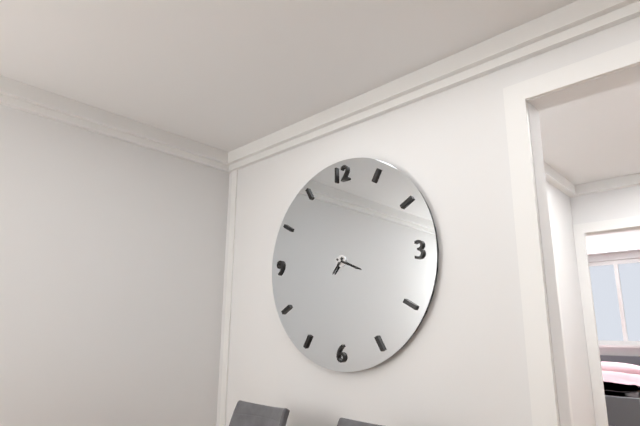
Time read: **7:19**
